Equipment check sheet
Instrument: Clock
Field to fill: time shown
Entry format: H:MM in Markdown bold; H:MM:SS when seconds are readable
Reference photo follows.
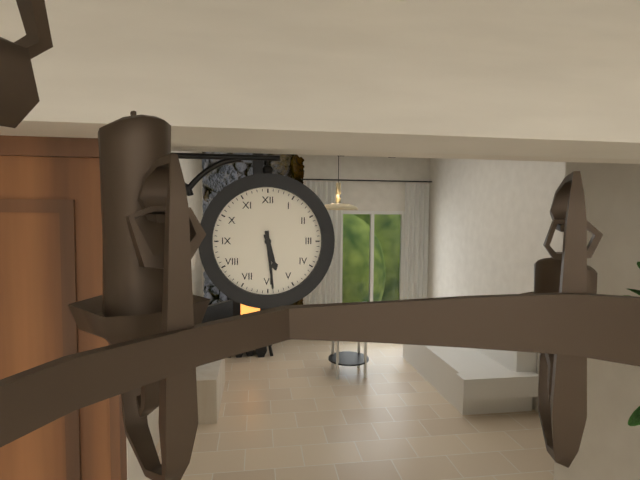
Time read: **5:29**
